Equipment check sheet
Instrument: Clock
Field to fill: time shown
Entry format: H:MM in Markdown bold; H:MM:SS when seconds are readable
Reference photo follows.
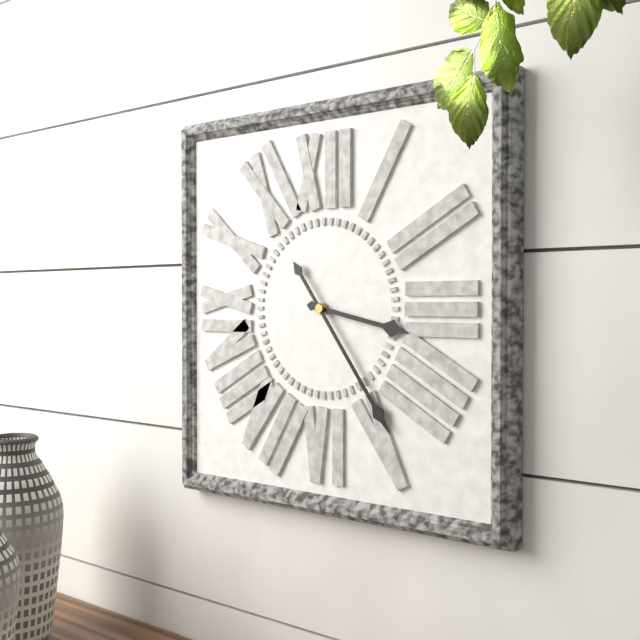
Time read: **3:24**
